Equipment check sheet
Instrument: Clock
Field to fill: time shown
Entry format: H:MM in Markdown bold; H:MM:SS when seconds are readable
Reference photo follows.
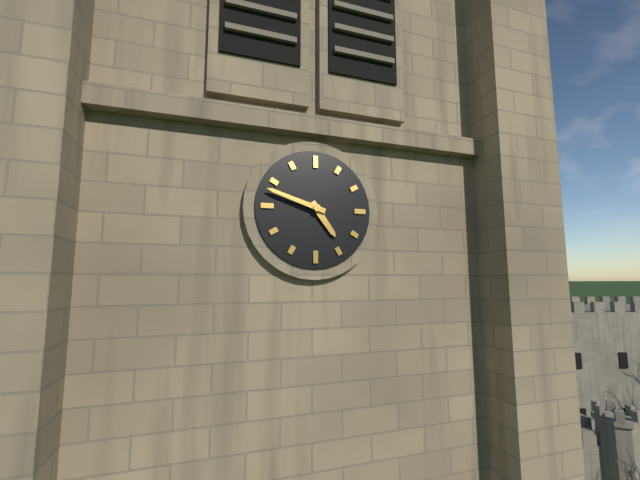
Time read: **4:48**
